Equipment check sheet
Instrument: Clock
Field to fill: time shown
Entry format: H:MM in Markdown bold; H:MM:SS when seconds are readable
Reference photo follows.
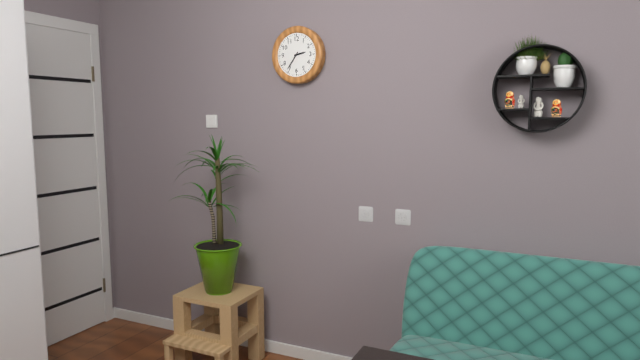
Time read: **2:36**
